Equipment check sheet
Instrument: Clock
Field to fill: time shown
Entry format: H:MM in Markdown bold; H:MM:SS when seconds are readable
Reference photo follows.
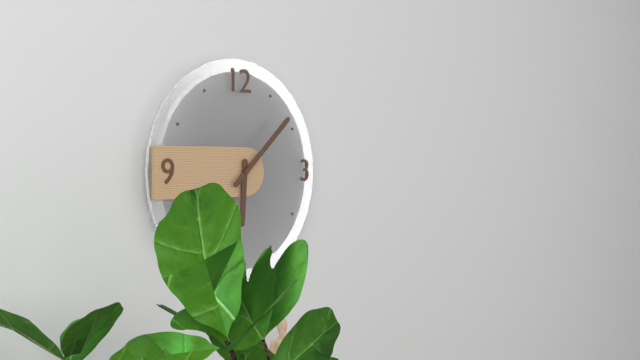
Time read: **6:08**
